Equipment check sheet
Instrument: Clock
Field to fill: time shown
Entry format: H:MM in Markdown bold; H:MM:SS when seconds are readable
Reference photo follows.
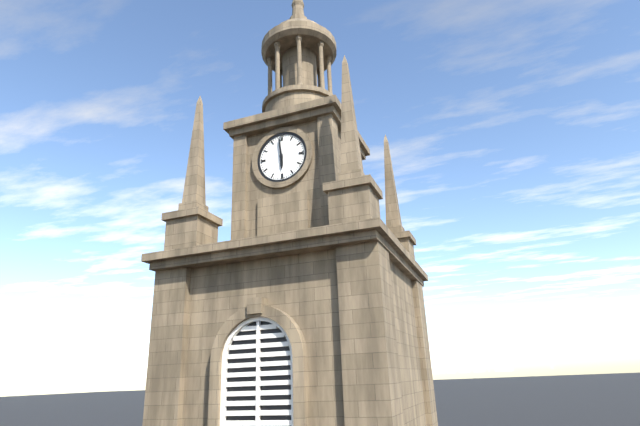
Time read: **5:59**
